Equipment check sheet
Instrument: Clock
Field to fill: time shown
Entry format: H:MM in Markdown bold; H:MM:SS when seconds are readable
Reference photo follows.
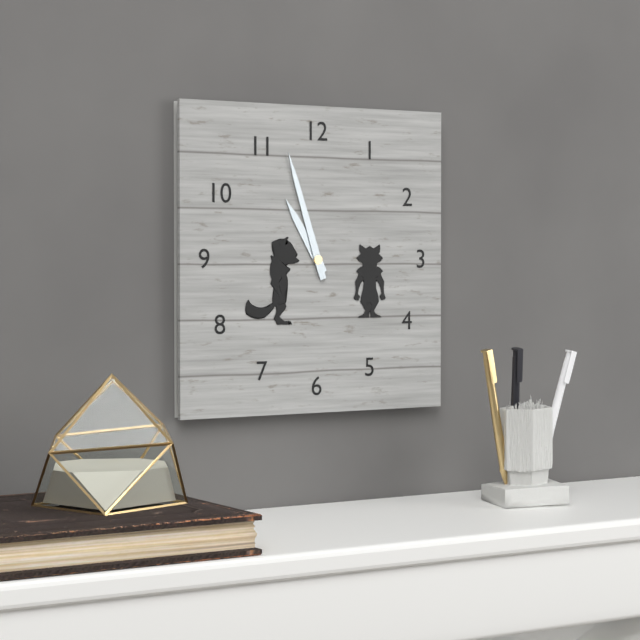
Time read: **10:57**
